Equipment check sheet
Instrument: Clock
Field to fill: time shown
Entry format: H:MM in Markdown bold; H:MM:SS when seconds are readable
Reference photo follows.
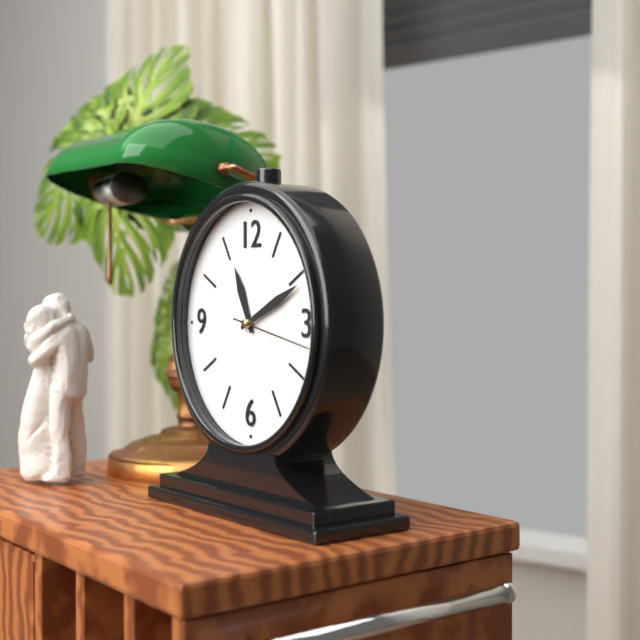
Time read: **11:11:17**
